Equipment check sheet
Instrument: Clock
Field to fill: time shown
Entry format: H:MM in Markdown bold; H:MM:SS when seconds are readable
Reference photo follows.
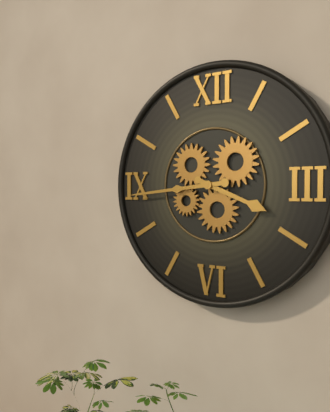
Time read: **3:44**
